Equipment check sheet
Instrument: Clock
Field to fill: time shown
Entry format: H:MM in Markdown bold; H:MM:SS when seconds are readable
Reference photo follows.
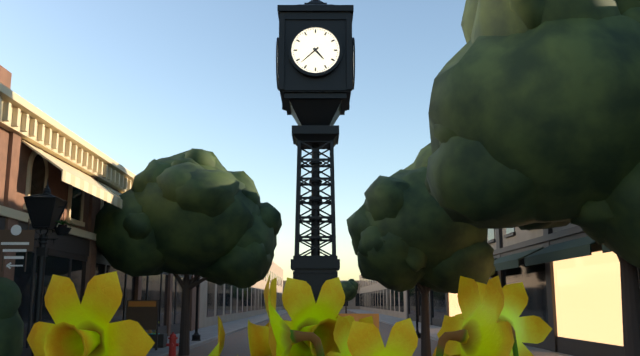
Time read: **4:38**
